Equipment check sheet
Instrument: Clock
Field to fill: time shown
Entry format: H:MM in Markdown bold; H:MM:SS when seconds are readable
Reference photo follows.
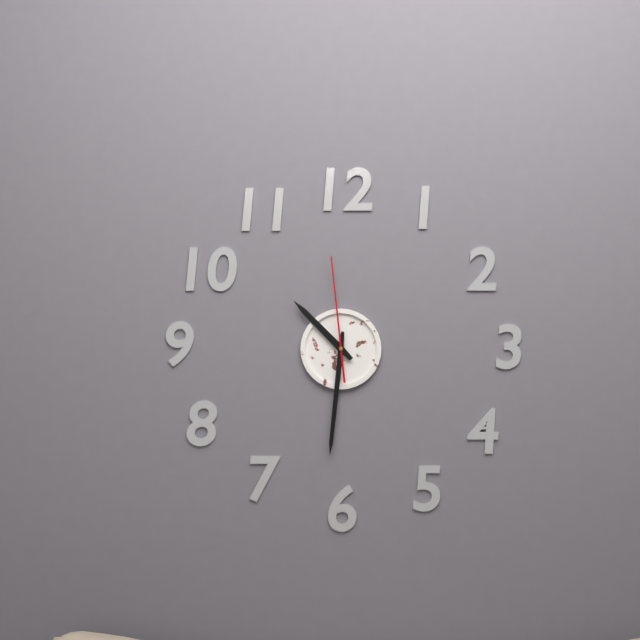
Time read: **10:31:59**
